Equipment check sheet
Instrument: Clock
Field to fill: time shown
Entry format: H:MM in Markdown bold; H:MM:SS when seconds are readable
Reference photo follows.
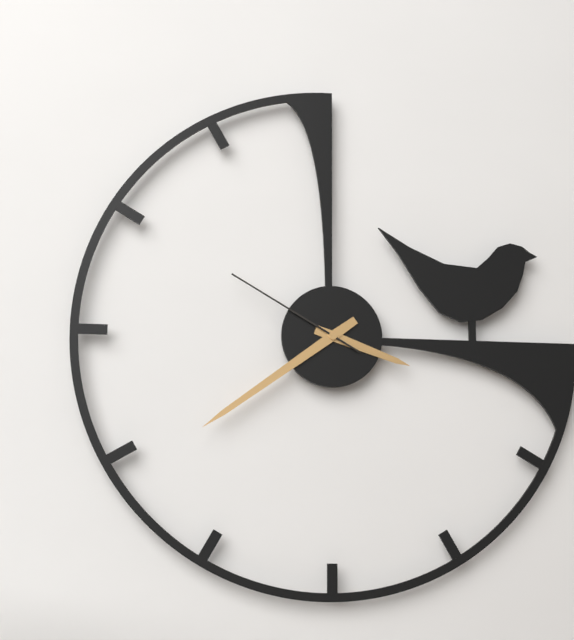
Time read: **3:39:50**
